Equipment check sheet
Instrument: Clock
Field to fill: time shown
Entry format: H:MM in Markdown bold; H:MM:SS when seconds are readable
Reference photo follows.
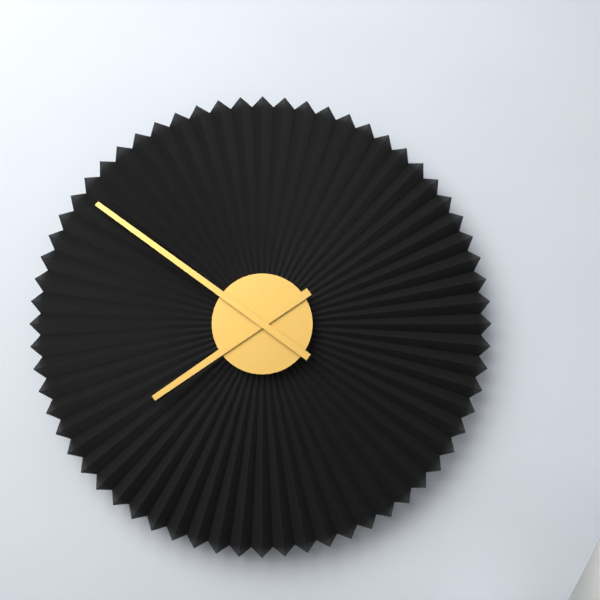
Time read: **7:51**
